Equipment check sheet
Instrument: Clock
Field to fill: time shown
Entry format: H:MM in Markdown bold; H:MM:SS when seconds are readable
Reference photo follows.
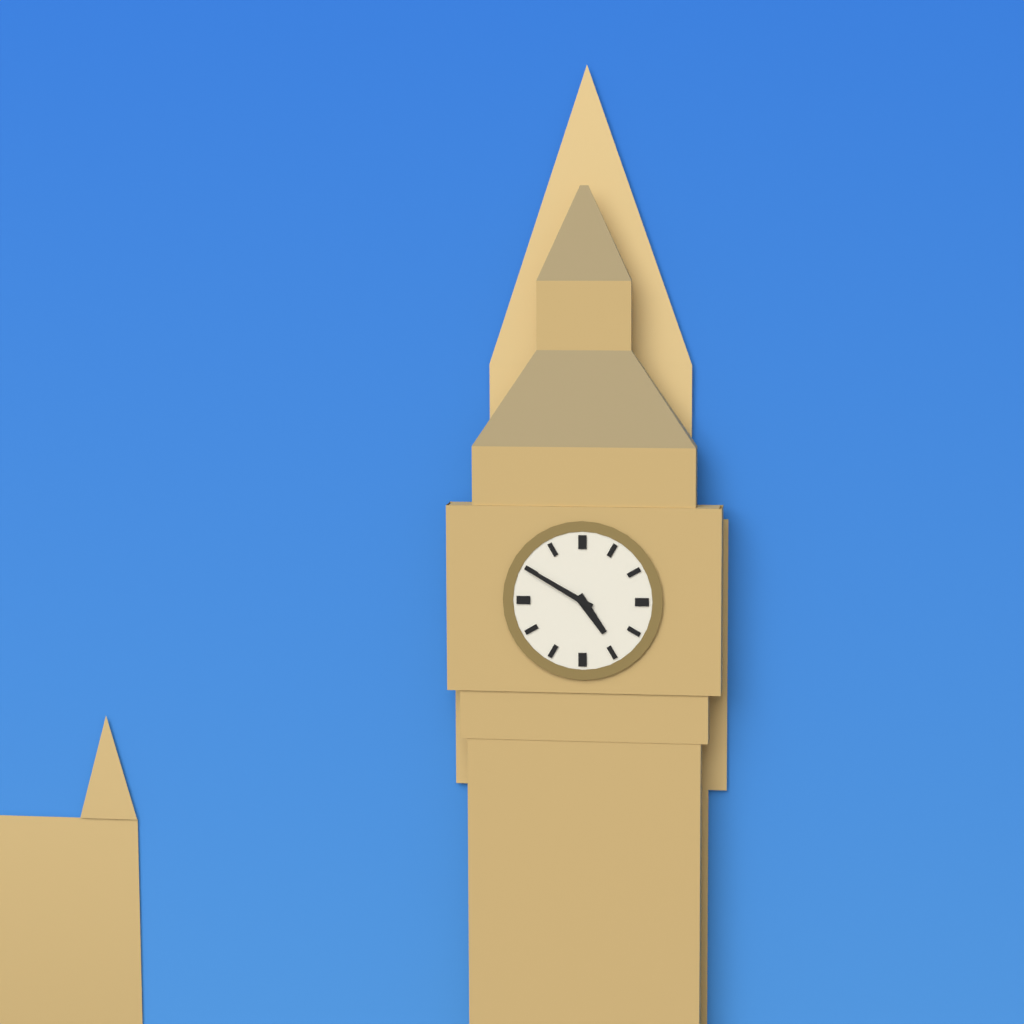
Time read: **4:50**
